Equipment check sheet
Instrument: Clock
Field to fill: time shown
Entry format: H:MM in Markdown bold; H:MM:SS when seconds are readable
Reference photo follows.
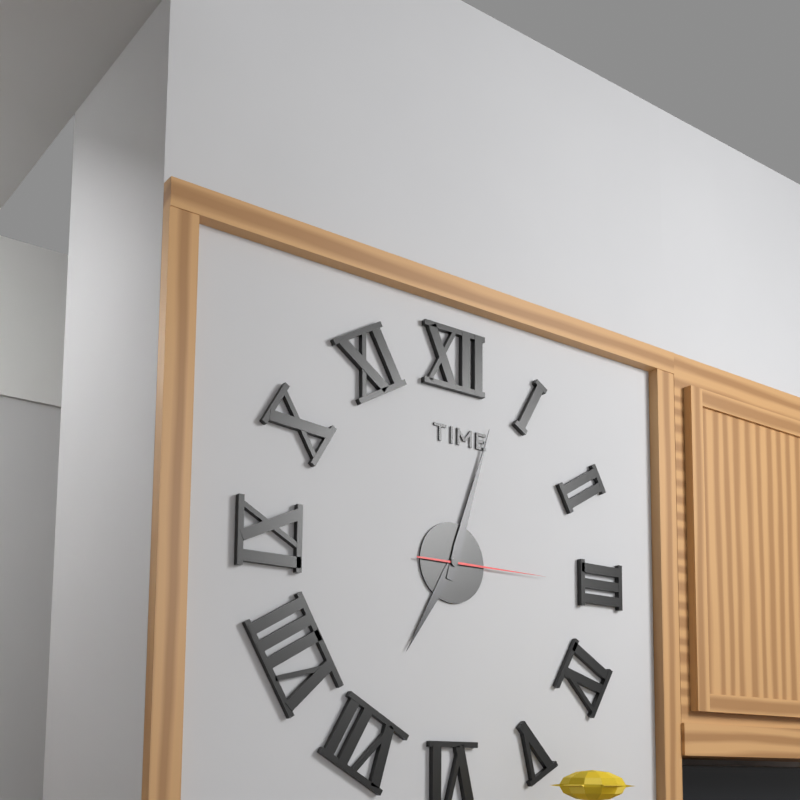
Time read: **7:03:15**
